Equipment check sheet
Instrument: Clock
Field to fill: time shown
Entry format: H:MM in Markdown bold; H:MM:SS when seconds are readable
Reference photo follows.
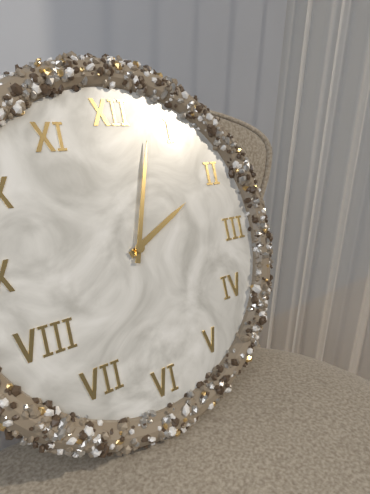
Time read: **2:03**
